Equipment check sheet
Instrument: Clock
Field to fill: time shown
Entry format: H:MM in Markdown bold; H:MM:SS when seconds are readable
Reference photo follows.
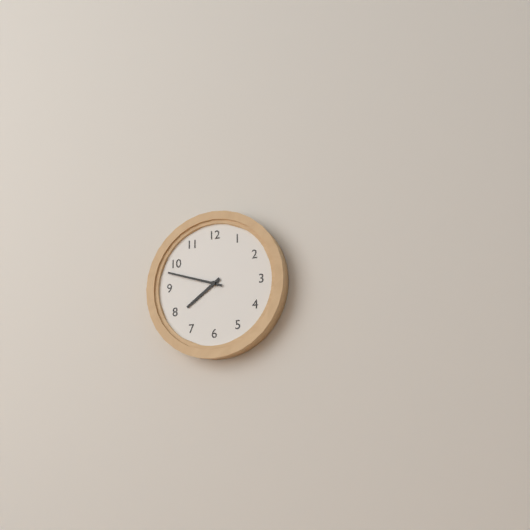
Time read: **7:48**
